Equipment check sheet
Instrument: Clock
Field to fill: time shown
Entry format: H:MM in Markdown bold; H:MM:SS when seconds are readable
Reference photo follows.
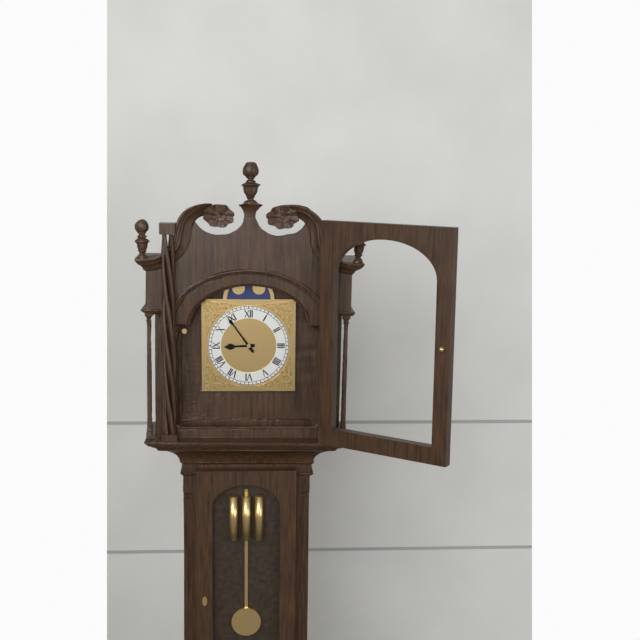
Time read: **8:54**
